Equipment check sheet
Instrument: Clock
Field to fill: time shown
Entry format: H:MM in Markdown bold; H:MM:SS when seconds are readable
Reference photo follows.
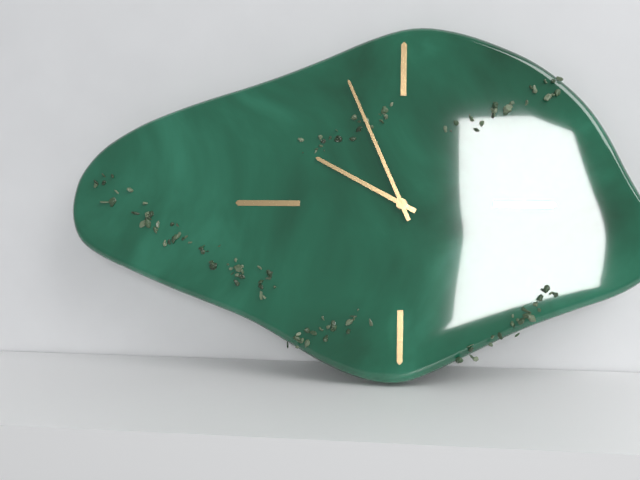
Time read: **9:56**
